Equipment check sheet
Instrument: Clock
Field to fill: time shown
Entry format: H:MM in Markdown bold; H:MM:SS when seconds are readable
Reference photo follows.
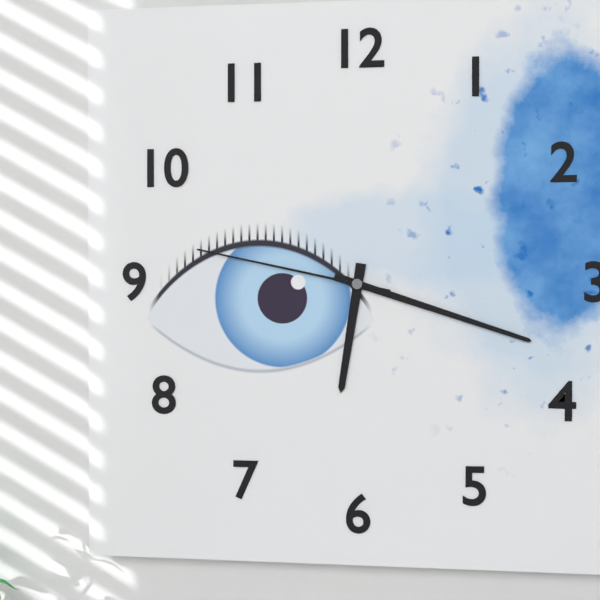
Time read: **6:18:47**
